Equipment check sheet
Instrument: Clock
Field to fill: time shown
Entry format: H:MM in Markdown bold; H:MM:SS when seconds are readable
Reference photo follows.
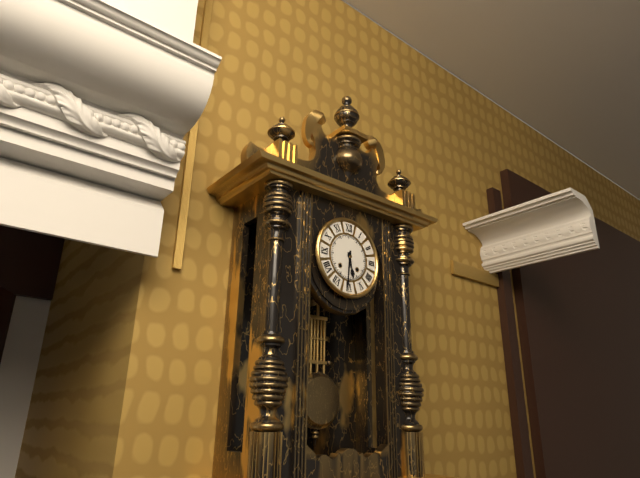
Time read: **5:31**
